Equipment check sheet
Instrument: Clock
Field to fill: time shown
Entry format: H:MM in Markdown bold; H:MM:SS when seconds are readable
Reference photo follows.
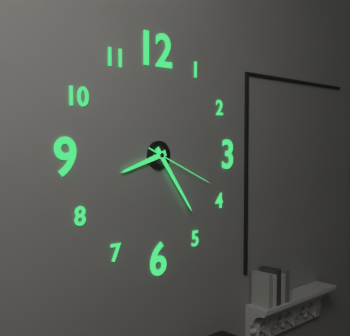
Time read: **8:24:19**
